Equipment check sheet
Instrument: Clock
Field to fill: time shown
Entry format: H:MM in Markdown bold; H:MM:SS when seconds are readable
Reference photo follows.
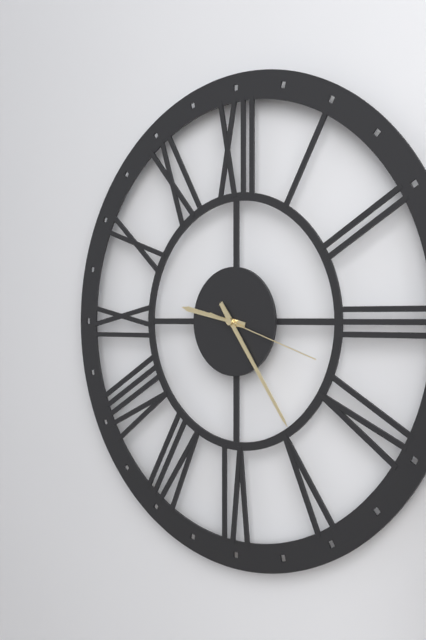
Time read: **9:24:18**
